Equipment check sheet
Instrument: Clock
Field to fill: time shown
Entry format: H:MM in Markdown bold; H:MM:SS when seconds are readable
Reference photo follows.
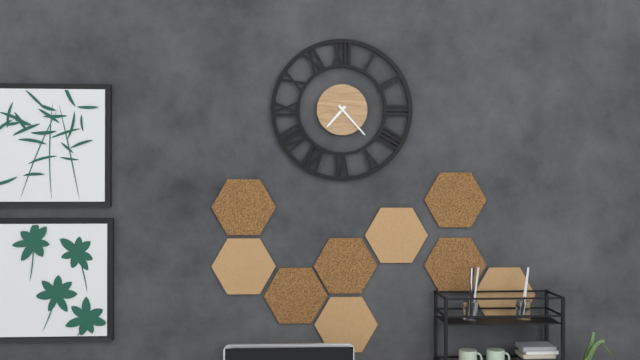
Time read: **7:23**
